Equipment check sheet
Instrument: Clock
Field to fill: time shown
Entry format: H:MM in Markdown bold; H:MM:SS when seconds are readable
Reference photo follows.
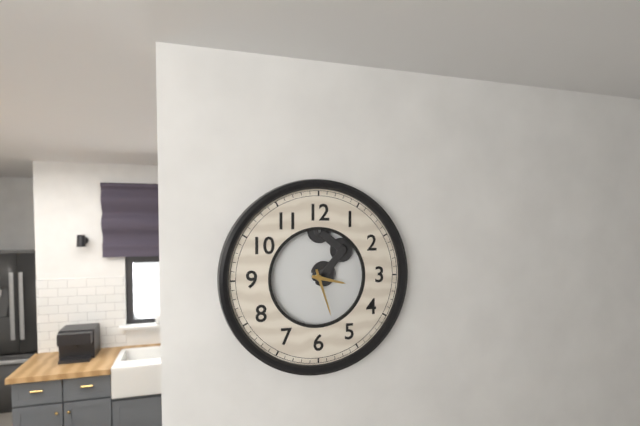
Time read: **3:27**
